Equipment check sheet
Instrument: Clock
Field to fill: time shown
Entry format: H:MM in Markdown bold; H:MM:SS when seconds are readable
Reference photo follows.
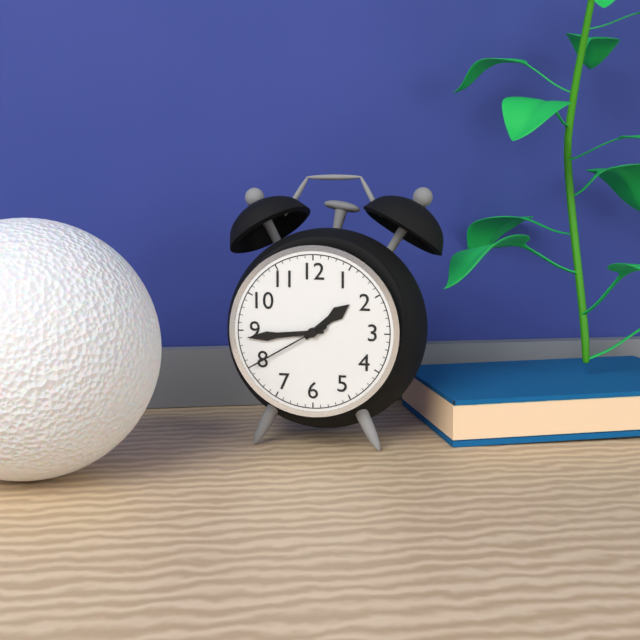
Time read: **1:44:40**
